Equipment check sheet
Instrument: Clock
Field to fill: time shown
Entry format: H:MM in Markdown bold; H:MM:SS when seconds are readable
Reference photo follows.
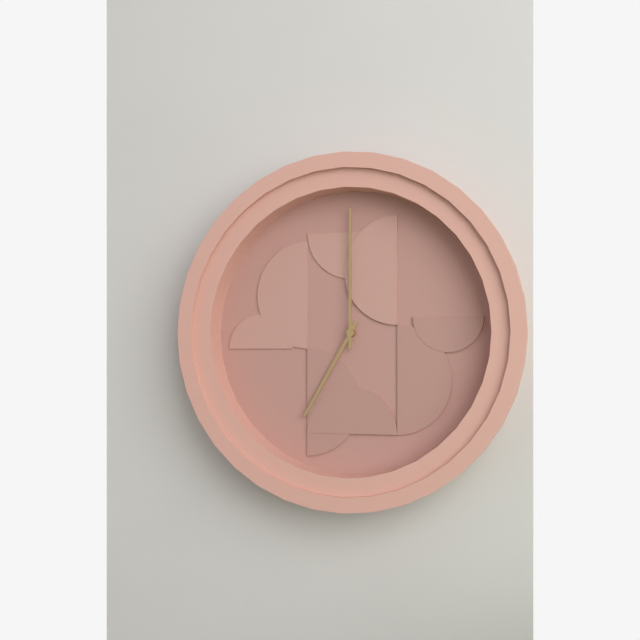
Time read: **7:00**
